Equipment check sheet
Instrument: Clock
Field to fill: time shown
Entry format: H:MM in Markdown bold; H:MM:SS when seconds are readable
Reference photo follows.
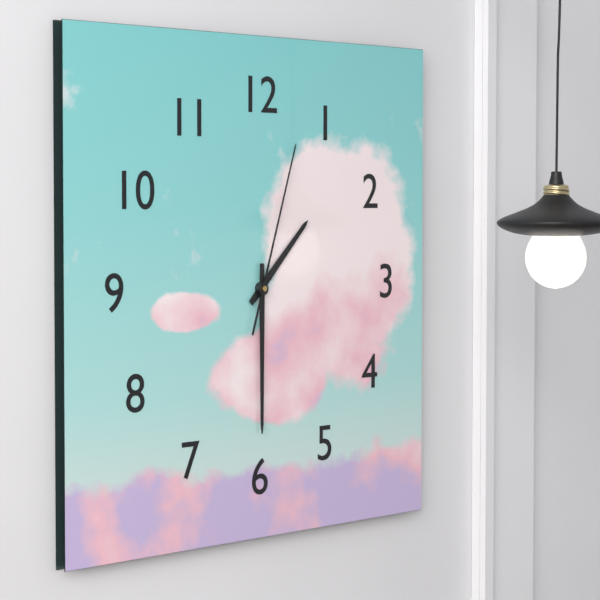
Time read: **1:30:03**
